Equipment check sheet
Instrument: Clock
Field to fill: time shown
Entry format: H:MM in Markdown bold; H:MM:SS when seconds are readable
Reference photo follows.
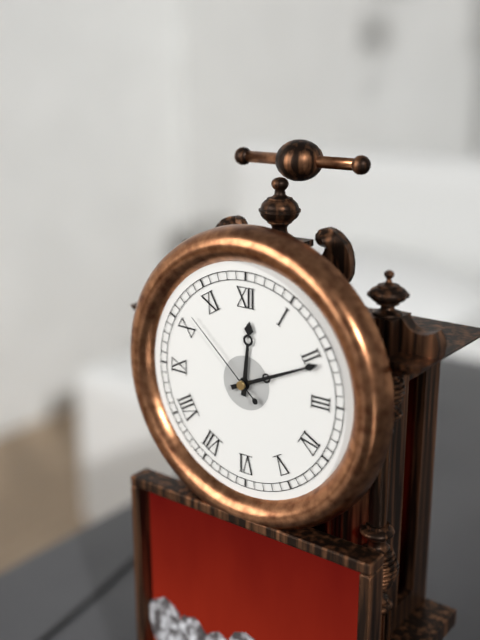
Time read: **12:11:52**
